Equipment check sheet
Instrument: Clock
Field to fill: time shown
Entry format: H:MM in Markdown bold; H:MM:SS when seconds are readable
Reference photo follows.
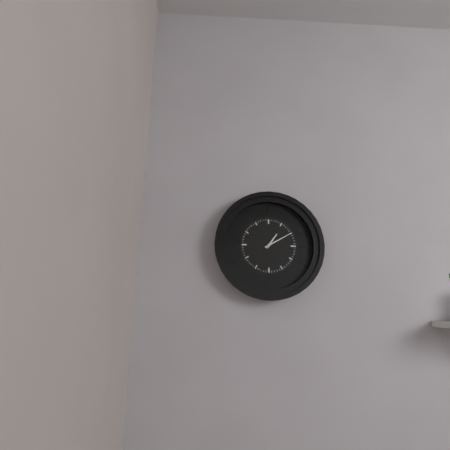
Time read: **1:10**
